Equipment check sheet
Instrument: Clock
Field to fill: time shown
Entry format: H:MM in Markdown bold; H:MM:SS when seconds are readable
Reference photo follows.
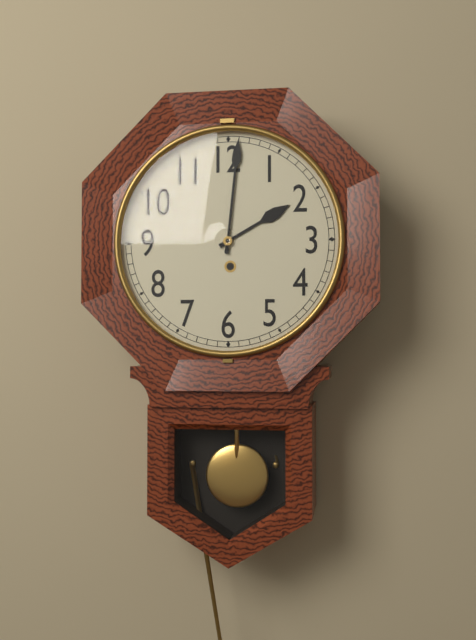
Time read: **2:01**
